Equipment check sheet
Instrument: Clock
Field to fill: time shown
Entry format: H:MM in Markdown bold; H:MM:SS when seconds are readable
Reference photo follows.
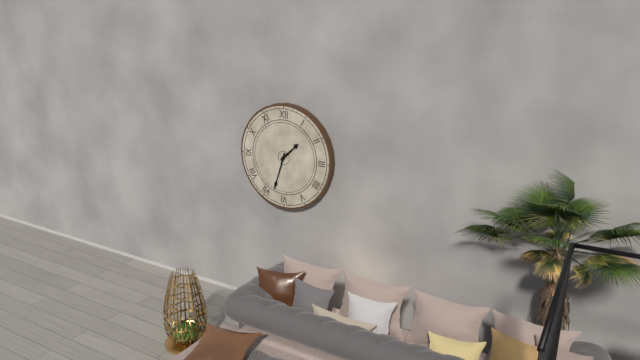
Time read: **1:33**
